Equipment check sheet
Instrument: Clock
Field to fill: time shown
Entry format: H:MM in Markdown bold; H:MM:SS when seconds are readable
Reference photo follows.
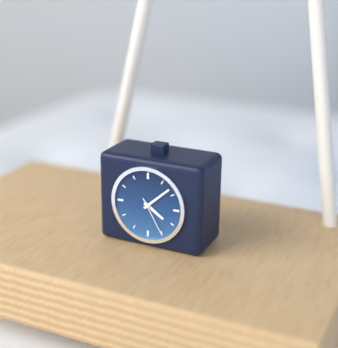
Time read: **4:08**
